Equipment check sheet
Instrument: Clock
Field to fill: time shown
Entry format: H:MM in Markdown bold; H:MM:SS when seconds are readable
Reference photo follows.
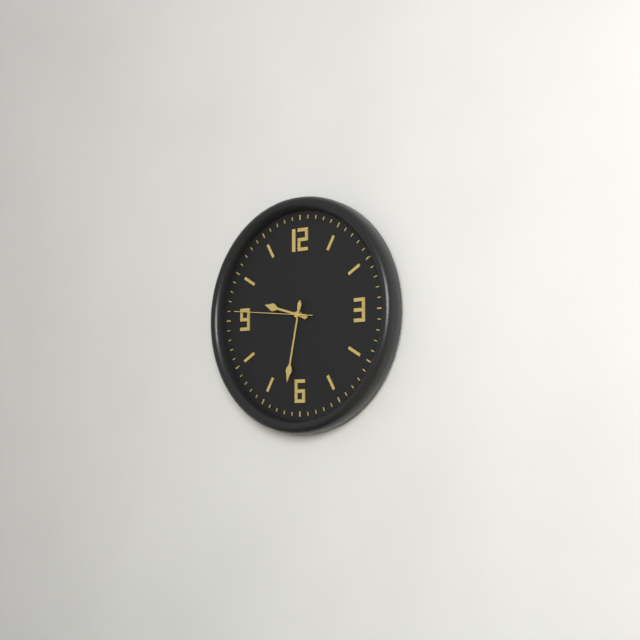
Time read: **9:32:46**
